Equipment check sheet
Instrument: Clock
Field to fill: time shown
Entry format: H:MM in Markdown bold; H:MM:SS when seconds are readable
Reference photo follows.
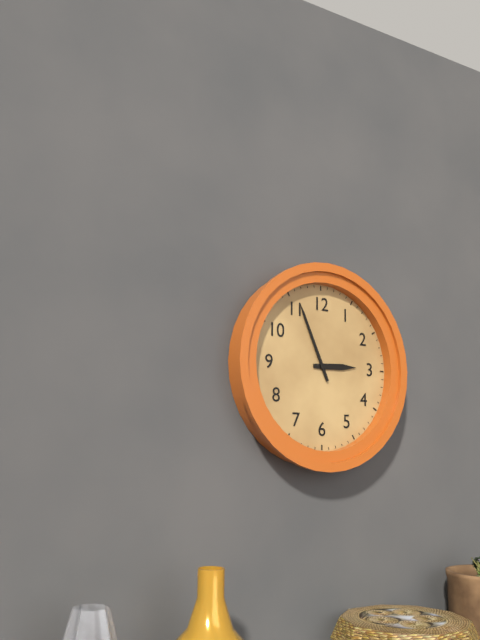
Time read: **2:56**
